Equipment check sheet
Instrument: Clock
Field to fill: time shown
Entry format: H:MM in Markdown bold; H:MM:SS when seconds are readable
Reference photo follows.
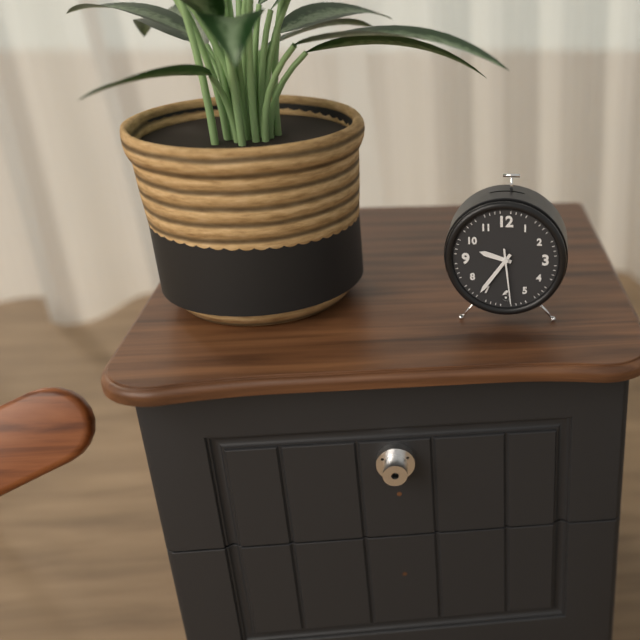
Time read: **9:36:29**
